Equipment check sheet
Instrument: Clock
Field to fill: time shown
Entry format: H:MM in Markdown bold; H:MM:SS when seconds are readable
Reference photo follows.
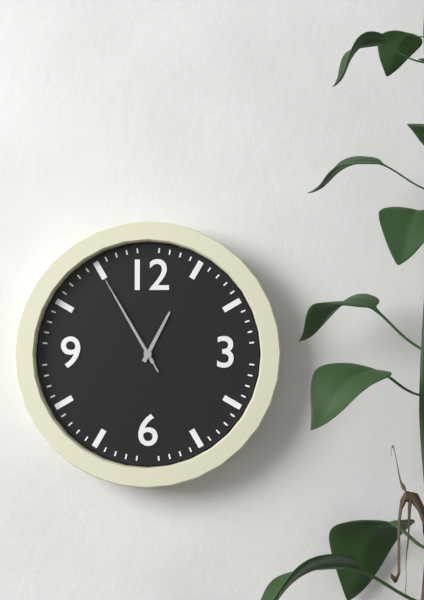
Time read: **12:55:55**
